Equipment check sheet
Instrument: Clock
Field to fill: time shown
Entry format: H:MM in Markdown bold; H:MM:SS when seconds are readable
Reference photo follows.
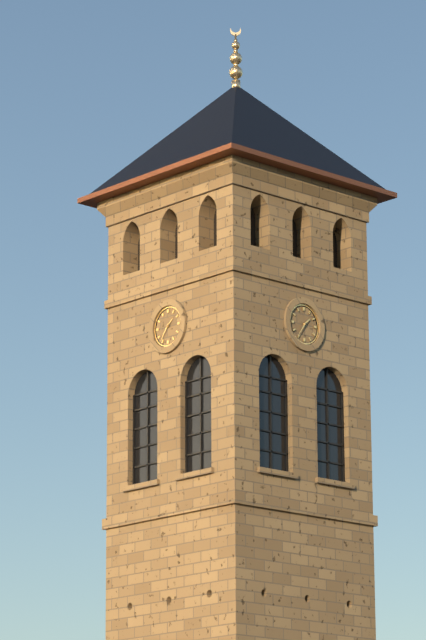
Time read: **1:36**
